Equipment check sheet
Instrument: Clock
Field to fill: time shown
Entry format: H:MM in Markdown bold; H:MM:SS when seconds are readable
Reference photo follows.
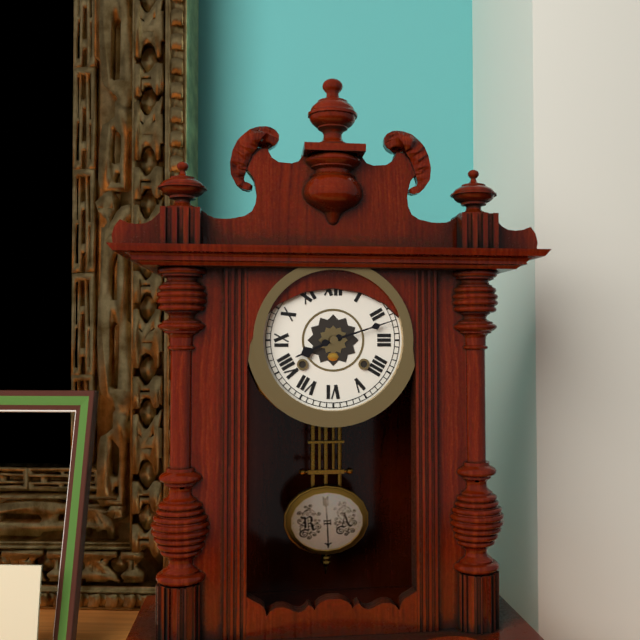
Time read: **8:12**
